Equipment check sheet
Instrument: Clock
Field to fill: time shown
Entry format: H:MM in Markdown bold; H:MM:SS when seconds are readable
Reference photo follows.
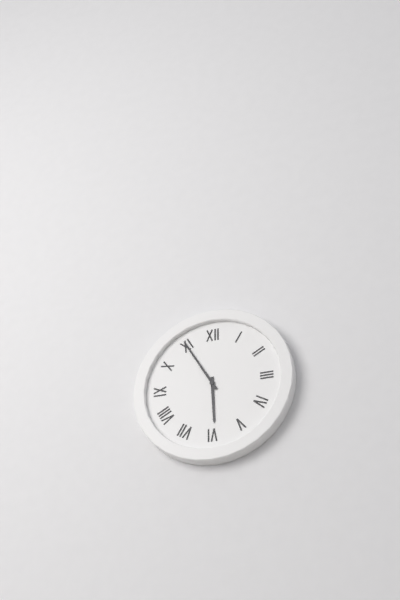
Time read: **5:55**
